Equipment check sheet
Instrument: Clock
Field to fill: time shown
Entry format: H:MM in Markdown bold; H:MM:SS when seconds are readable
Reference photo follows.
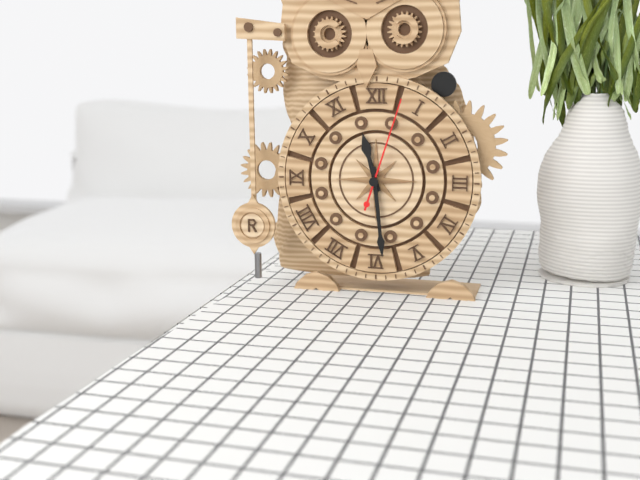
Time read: **11:29:03**
